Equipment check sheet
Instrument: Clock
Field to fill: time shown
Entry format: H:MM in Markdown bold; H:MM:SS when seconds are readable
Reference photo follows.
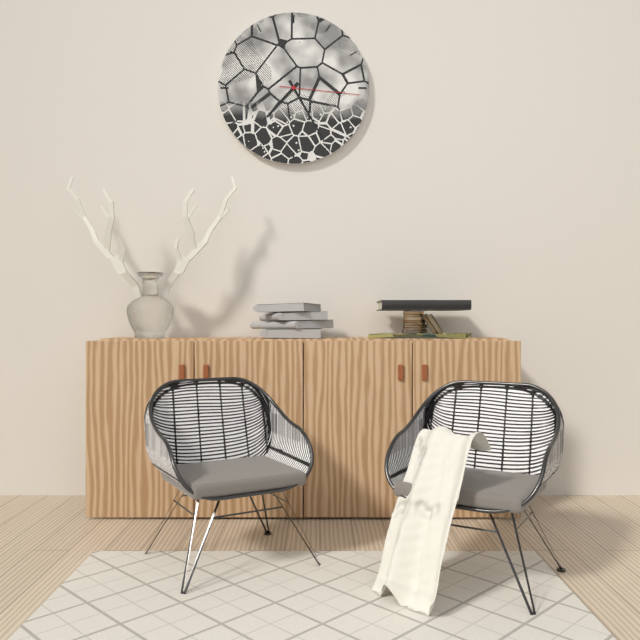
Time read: **7:25:16**
